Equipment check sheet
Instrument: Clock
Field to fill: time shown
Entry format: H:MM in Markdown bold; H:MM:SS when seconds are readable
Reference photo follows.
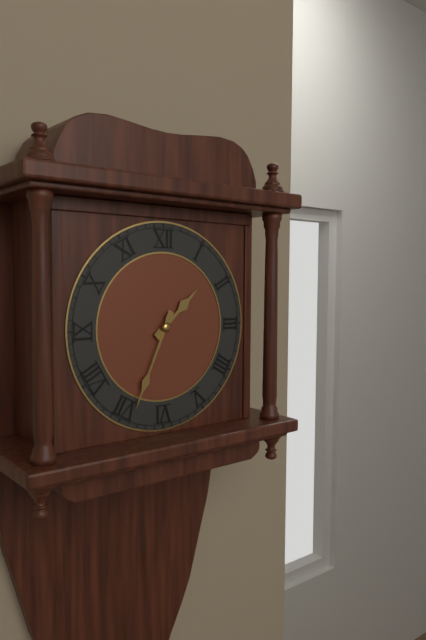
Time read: **1:34**
